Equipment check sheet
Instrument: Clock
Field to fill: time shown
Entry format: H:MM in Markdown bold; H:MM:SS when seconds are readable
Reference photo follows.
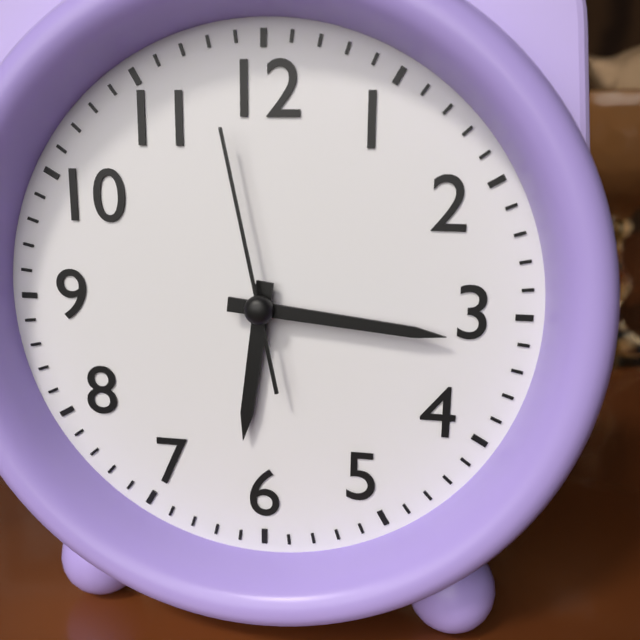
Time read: **6:16:58**
